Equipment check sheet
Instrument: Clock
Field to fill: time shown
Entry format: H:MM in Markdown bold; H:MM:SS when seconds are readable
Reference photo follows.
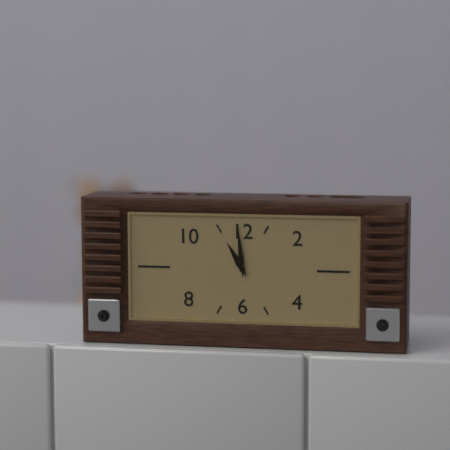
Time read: **10:59**
